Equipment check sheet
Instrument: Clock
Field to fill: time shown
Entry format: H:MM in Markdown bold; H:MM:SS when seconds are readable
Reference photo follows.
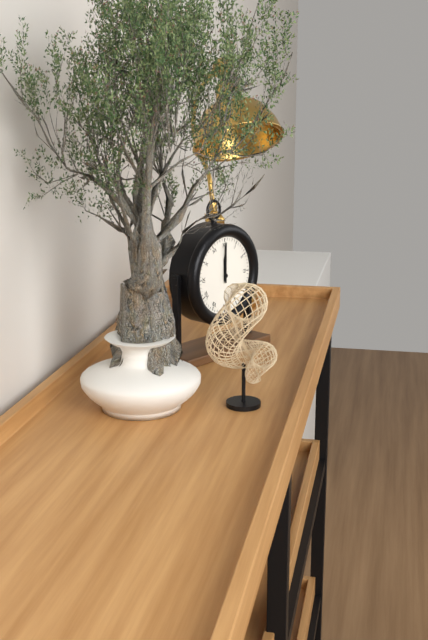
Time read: **12:00**
